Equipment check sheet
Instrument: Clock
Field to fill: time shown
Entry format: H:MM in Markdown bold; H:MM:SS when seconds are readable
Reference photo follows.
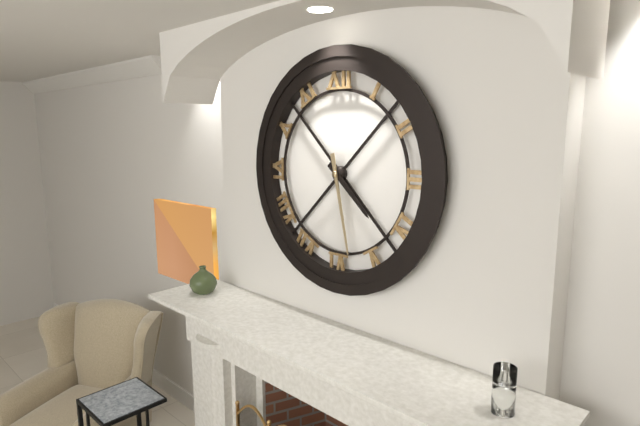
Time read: **4:28**
